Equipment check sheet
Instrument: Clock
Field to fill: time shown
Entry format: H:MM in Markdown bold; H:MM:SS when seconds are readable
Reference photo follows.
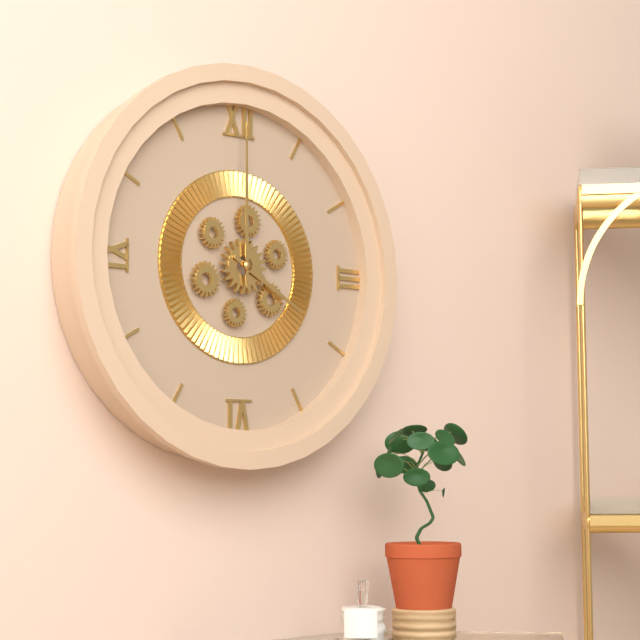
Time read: **4:00**
